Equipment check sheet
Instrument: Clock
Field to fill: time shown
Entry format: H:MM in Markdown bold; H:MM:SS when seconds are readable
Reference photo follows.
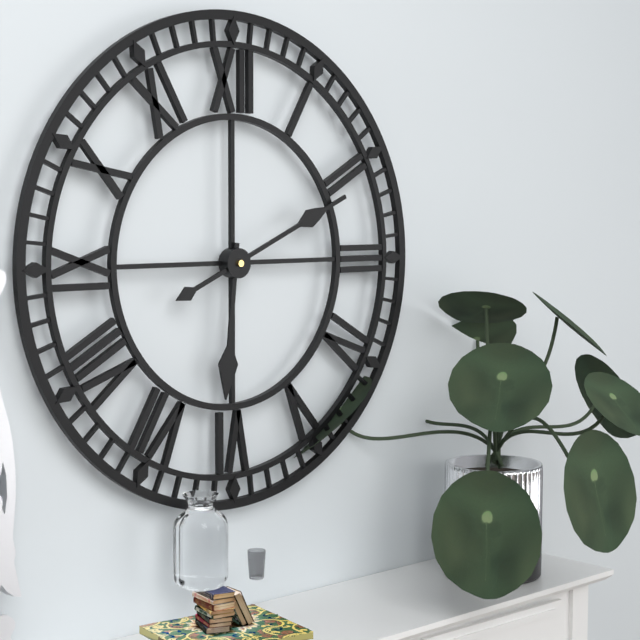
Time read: **6:11**
